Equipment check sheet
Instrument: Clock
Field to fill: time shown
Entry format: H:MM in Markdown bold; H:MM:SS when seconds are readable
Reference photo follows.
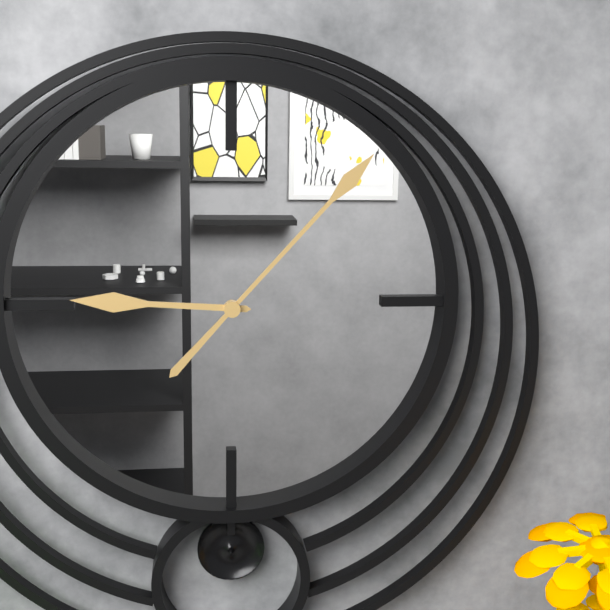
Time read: **9:07**
